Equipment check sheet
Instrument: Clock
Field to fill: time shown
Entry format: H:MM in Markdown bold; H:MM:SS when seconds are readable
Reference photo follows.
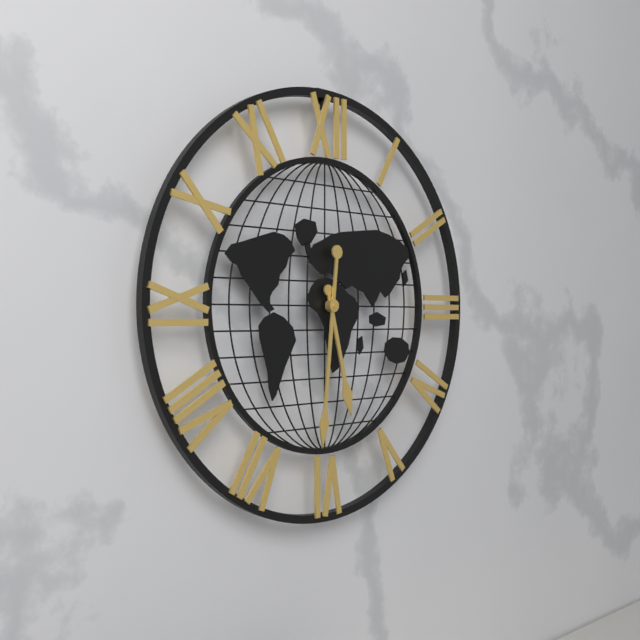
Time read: **5:31**
